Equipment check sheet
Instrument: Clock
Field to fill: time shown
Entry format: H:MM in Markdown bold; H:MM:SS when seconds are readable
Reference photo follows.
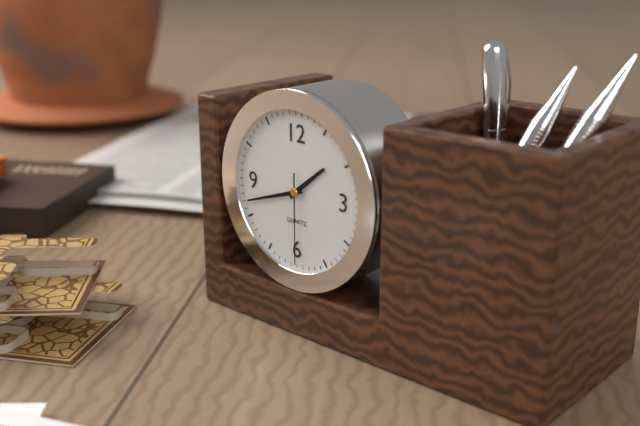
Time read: **1:42:30**
